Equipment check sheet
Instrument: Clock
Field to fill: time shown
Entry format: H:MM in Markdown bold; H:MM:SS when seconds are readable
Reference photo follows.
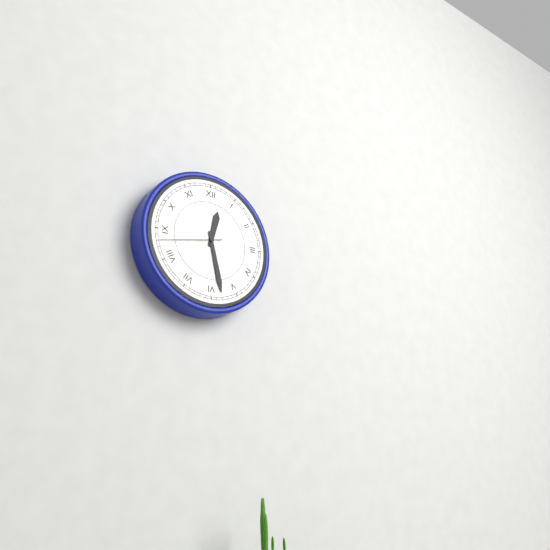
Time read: **12:28:43**
